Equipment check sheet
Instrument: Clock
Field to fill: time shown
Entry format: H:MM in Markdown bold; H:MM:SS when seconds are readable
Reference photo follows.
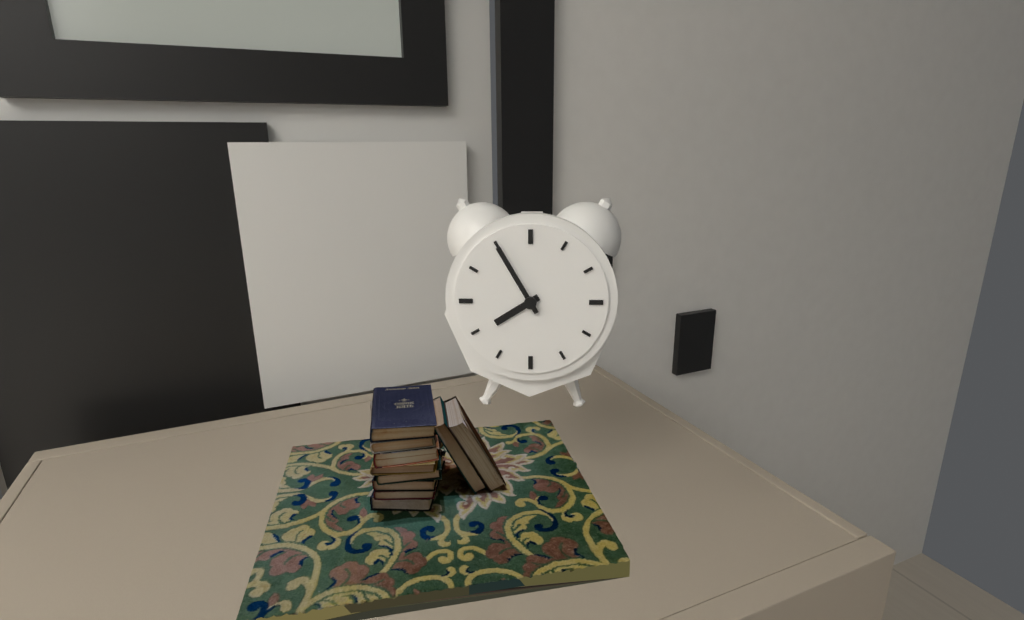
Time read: **7:55**
